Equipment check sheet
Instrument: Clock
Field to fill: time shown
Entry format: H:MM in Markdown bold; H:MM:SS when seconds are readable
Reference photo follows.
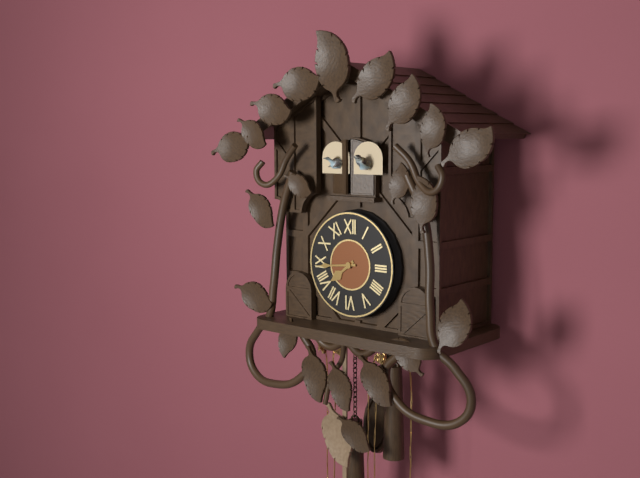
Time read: **7:44**
